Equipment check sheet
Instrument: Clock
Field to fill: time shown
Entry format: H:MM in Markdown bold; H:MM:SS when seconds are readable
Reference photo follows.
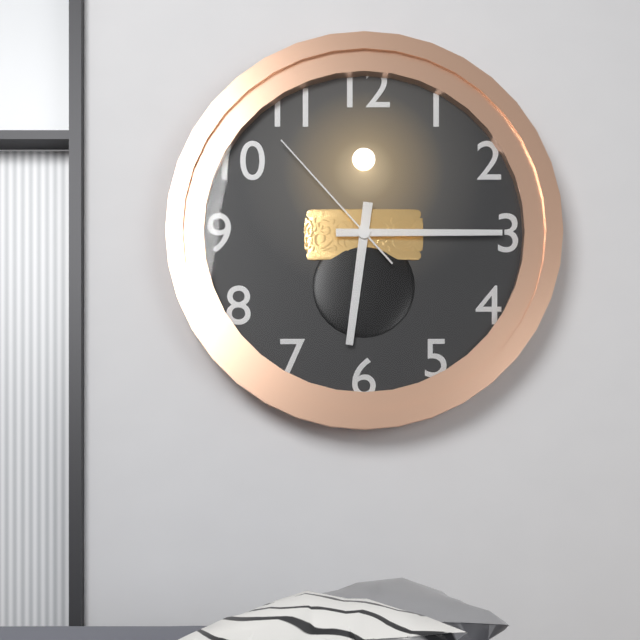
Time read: **6:15:53**
